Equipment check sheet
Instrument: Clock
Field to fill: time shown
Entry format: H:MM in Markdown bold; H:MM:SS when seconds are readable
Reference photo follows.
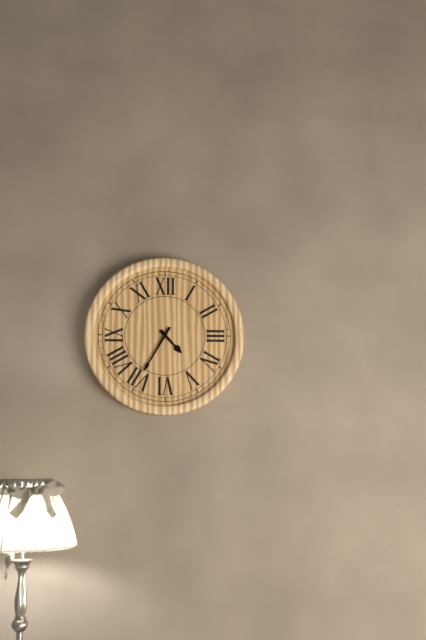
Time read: **4:35**
